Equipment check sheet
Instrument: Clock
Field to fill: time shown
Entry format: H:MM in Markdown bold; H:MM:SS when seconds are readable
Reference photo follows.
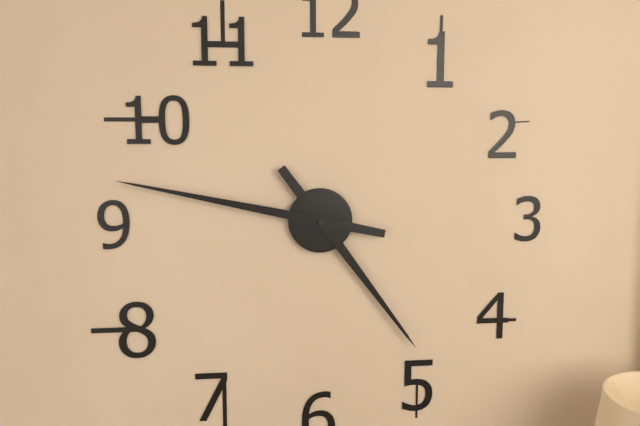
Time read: **4:47**
